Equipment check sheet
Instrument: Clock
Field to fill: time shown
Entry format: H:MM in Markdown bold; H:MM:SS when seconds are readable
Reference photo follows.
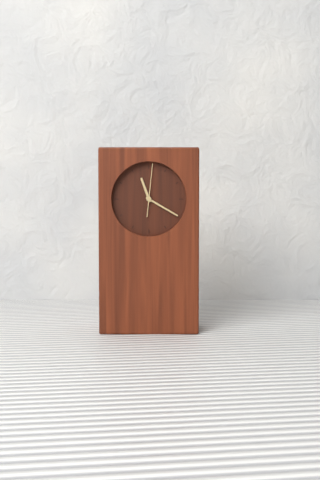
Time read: **11:20**
